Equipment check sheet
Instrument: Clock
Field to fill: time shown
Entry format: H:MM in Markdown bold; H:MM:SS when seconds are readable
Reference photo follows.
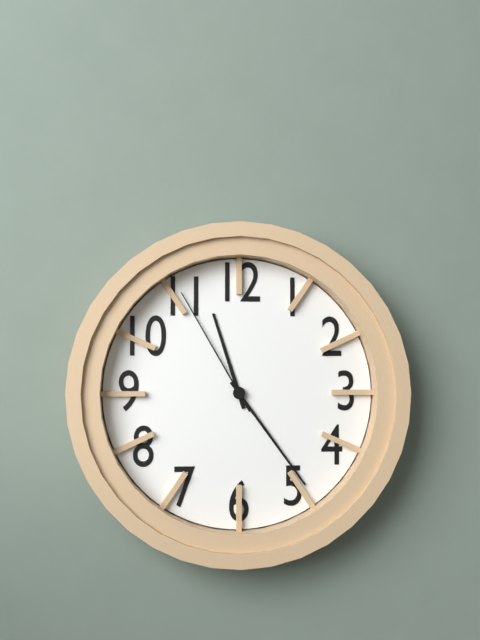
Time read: **11:24:55**
